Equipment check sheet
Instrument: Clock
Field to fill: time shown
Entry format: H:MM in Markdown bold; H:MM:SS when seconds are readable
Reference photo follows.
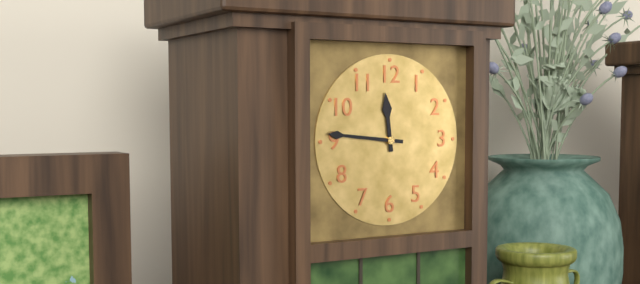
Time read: **11:46**
